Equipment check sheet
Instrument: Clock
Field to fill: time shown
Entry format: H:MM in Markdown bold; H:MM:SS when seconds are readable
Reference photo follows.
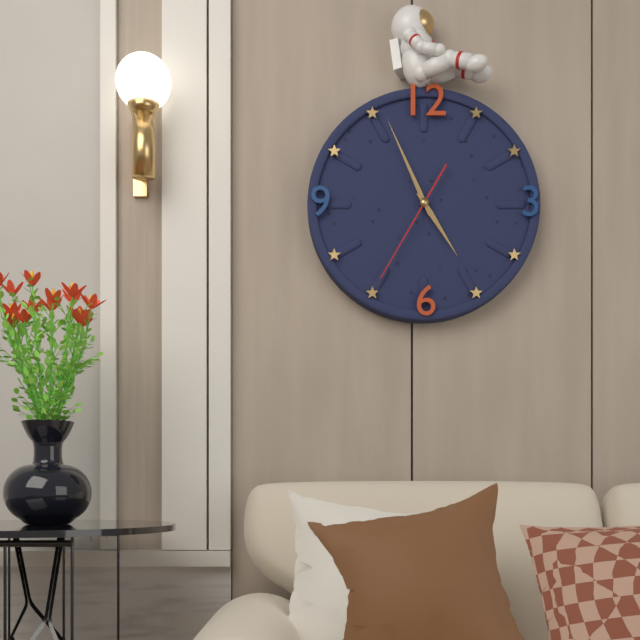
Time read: **4:56:35**
